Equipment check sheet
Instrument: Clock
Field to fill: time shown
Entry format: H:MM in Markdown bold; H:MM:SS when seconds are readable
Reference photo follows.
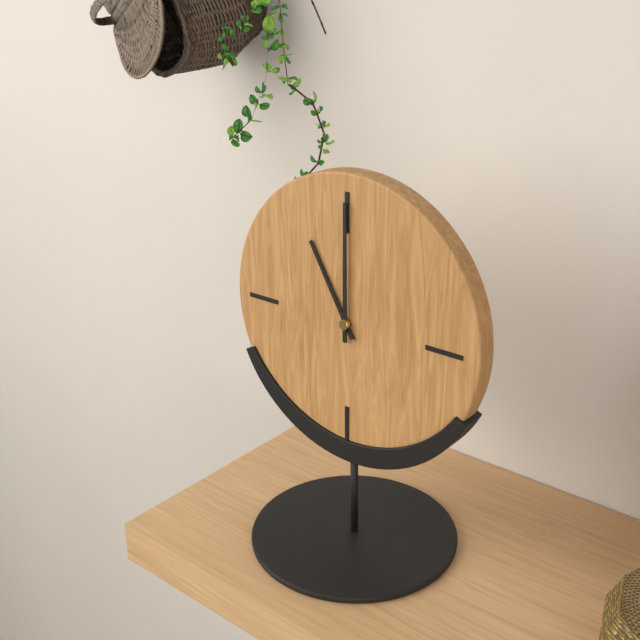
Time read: **11:00**
